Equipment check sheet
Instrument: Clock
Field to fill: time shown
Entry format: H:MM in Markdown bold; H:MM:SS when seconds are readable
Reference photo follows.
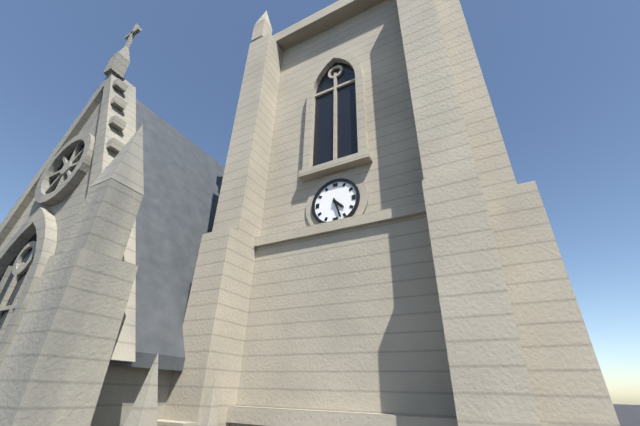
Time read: **4:27**
